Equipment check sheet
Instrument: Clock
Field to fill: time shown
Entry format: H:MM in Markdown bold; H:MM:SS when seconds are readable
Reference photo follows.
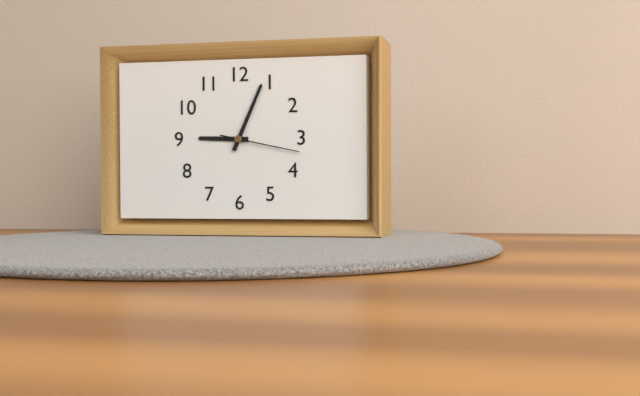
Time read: **9:04:17**
